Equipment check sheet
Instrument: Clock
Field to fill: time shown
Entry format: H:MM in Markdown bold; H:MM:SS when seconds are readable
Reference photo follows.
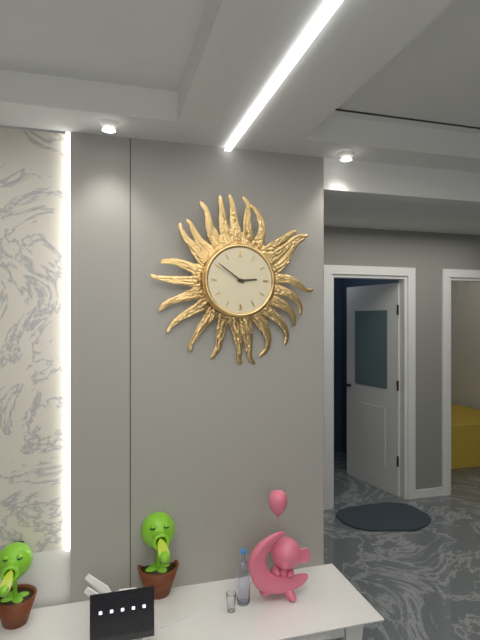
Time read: **2:51**
